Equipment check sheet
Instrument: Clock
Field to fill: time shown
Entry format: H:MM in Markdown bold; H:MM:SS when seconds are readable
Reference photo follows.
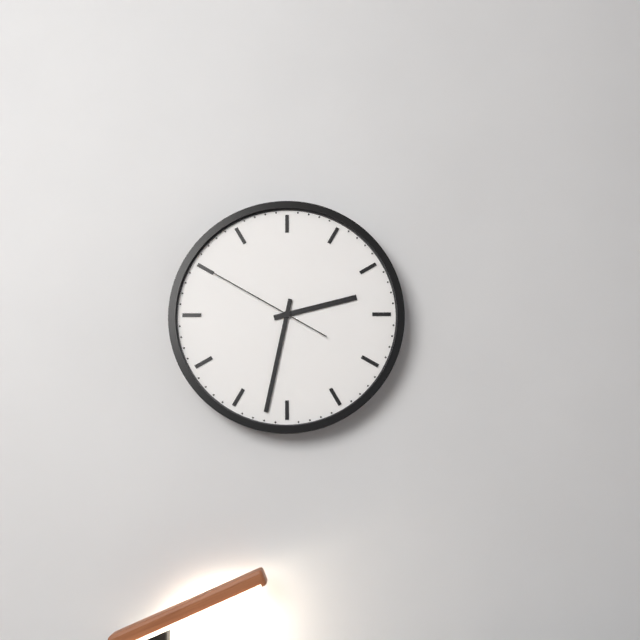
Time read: **2:32:50**
